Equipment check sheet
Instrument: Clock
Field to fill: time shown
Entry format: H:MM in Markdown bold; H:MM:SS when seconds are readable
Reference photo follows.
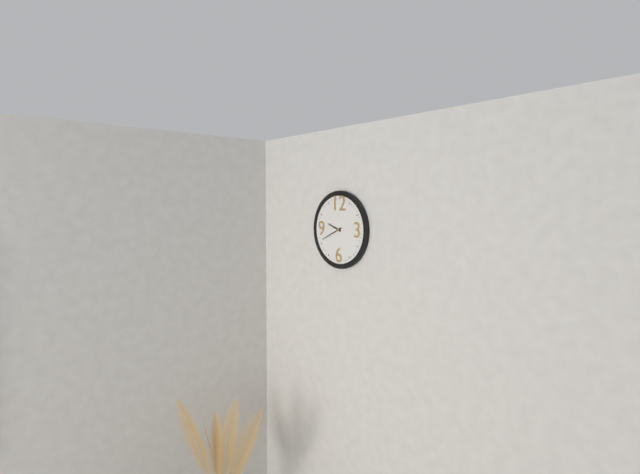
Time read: **9:41**
